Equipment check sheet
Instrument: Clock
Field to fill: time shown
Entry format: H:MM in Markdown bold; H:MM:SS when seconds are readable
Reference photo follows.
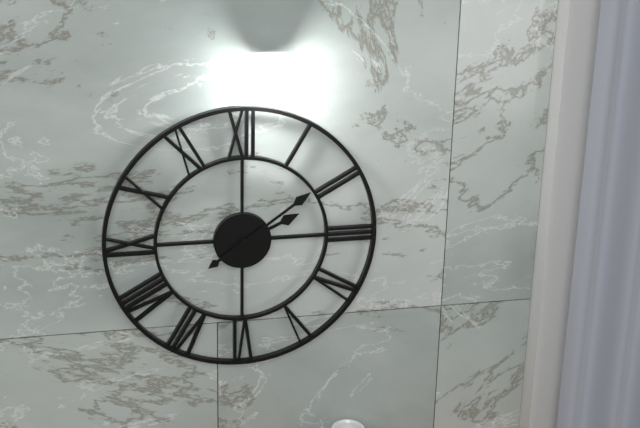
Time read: **2:09**
